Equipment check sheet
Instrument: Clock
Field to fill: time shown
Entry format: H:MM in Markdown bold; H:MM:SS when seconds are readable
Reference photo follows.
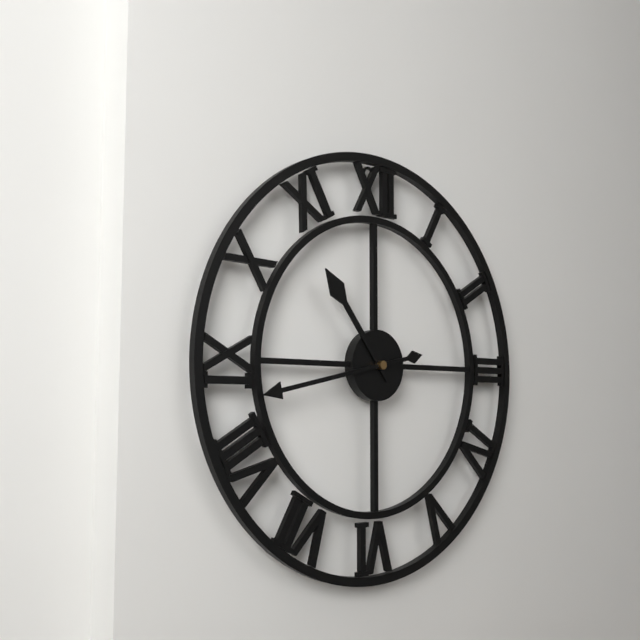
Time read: **10:43**
